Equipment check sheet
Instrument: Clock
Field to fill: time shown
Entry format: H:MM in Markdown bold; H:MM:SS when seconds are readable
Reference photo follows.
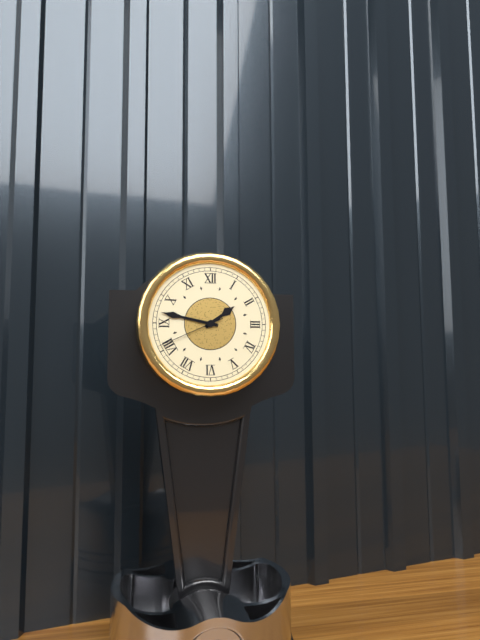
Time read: **1:47:41**
